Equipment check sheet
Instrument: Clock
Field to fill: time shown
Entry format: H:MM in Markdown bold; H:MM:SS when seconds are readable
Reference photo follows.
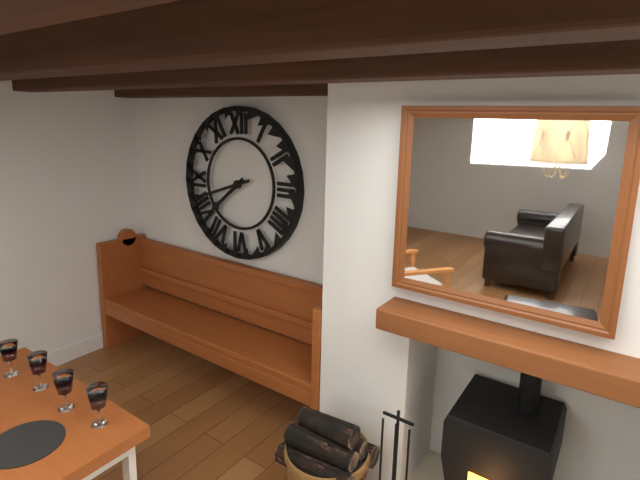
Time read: **7:42**
